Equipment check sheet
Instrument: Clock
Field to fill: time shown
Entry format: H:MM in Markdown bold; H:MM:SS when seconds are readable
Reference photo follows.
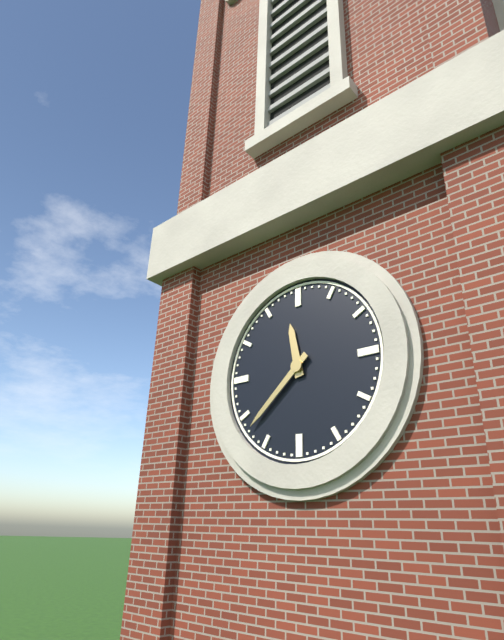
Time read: **11:38**
